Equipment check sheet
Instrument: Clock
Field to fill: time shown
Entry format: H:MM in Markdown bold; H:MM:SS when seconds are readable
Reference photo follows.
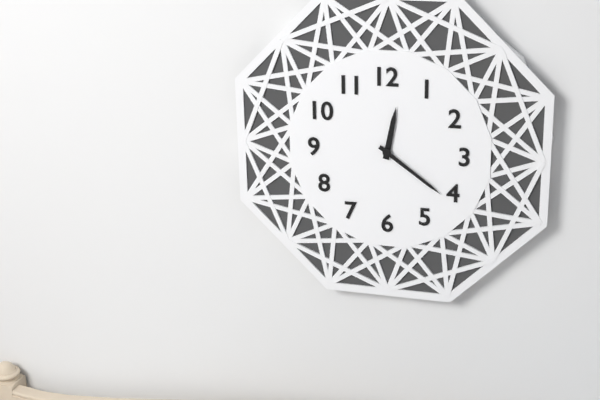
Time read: **12:21**
